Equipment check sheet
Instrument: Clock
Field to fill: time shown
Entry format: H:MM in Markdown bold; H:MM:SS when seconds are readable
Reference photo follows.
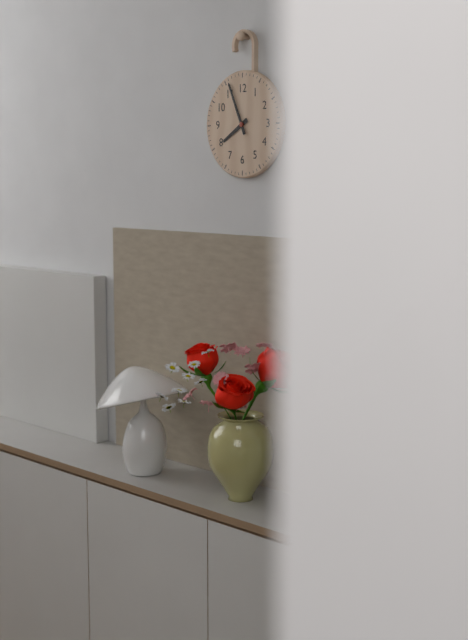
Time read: **7:56**
